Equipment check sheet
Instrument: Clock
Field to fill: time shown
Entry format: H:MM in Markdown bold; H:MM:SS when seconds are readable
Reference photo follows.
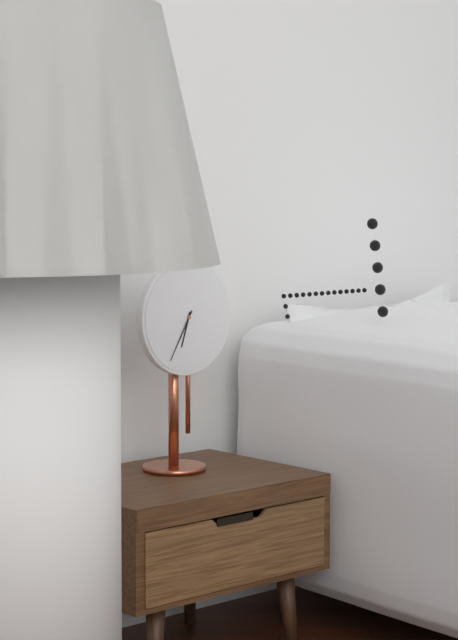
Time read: **6:35**
